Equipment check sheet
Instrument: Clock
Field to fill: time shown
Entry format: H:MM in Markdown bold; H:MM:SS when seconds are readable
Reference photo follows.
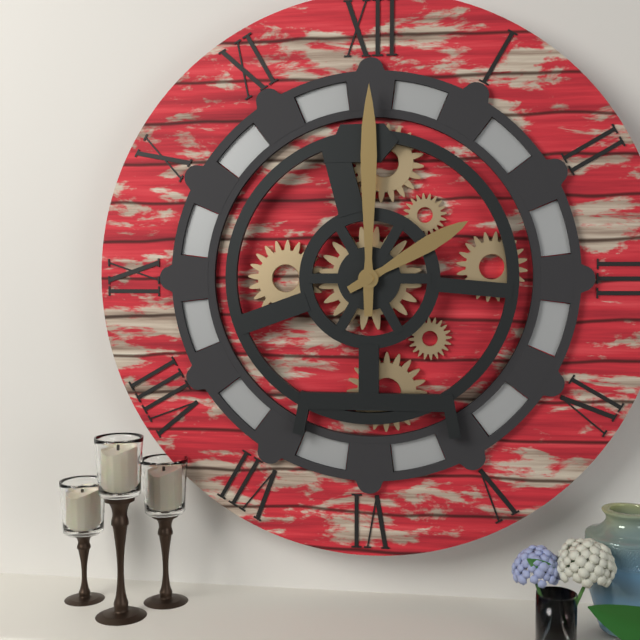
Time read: **2:00**
